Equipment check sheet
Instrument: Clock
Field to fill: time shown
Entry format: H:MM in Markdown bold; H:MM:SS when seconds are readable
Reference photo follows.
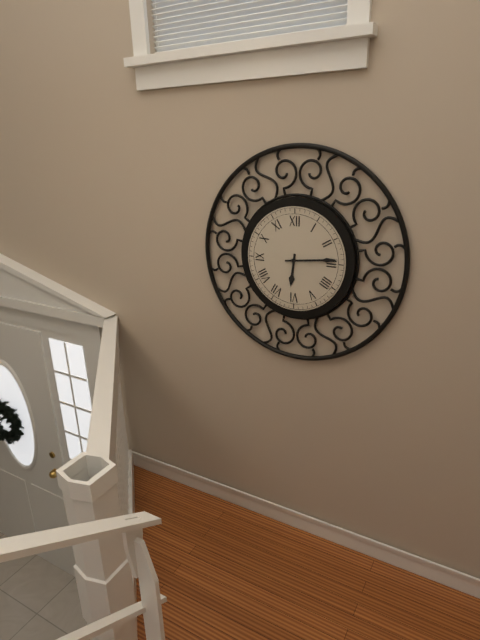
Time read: **6:14**
